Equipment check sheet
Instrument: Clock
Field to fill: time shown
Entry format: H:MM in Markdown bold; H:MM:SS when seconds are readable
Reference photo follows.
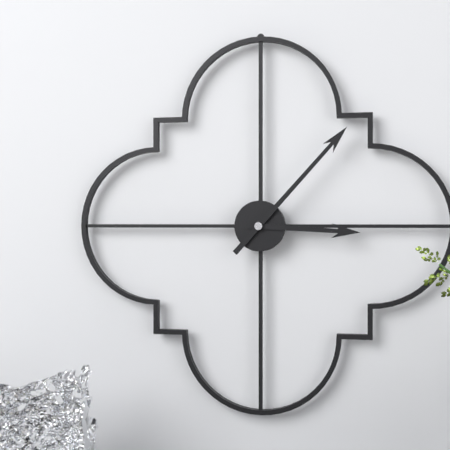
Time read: **3:07**
